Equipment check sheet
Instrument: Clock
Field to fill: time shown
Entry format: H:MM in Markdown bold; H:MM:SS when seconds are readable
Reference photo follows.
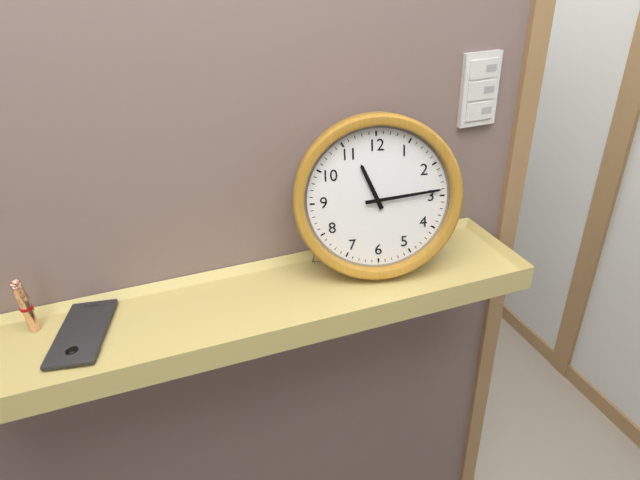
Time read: **11:14**
